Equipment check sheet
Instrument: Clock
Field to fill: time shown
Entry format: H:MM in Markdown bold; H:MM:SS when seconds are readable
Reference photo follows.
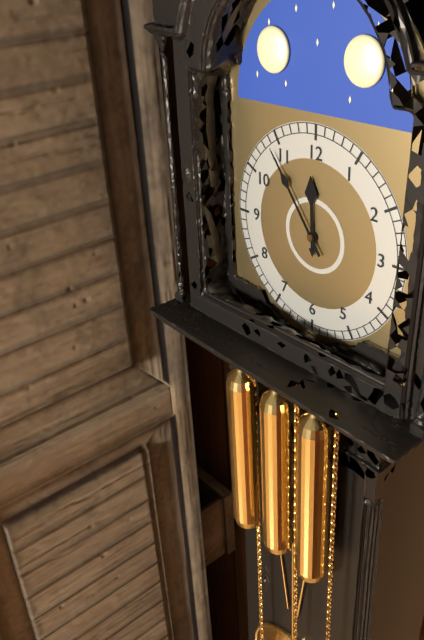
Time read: **11:54**
